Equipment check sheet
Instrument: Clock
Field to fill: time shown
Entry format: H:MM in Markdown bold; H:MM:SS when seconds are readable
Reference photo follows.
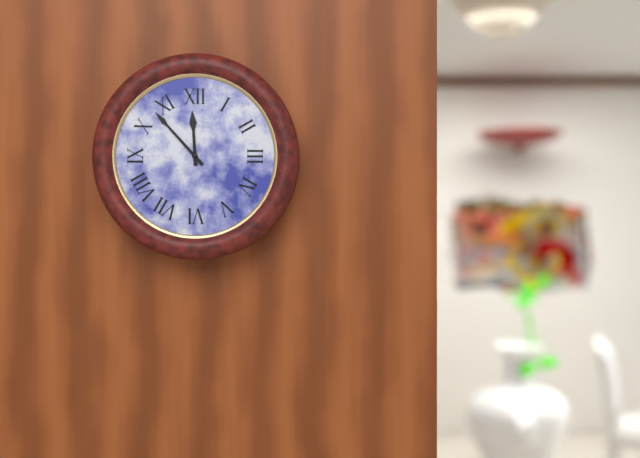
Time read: **11:53**
